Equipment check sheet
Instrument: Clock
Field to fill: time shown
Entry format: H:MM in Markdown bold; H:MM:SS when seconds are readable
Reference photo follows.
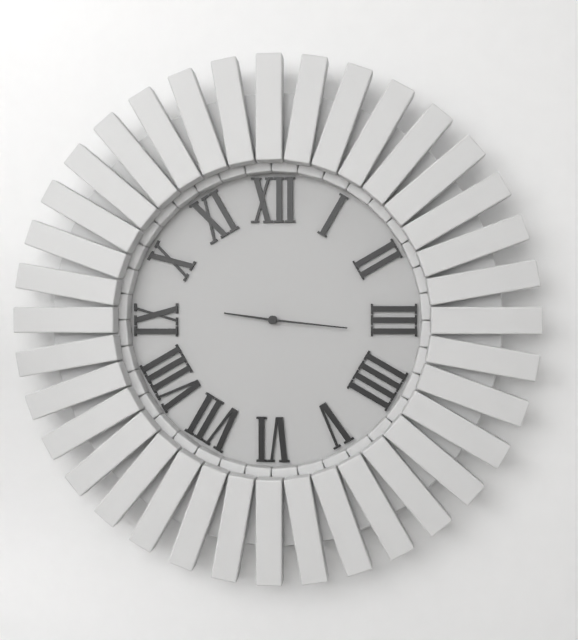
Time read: **9:16**
